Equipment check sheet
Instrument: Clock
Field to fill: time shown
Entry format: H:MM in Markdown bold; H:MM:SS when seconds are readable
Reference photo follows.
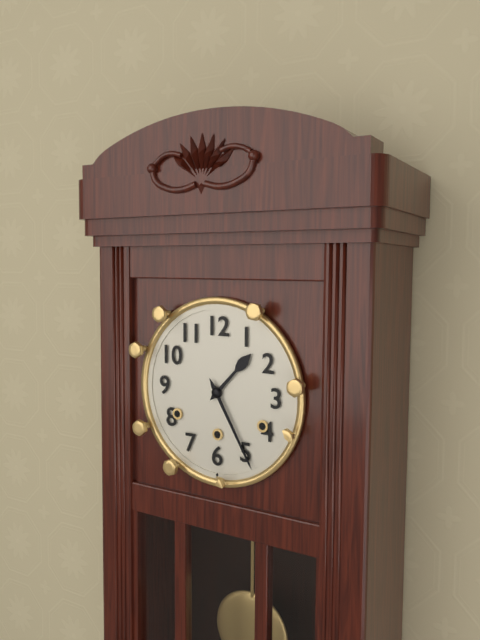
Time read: **1:25**
